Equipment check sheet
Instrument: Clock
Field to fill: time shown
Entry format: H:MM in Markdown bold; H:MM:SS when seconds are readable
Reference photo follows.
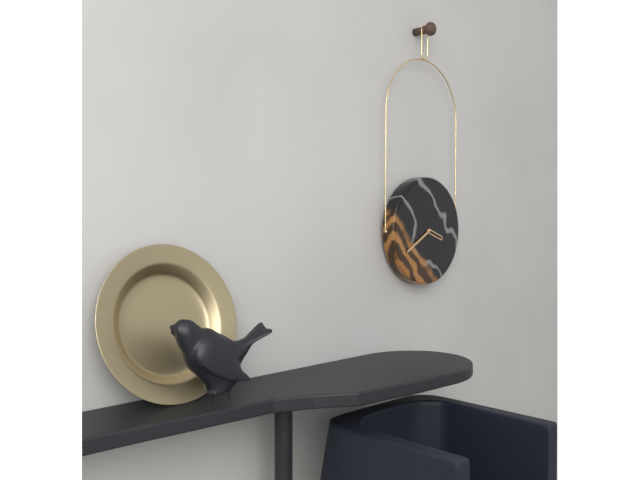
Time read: **3:40**
